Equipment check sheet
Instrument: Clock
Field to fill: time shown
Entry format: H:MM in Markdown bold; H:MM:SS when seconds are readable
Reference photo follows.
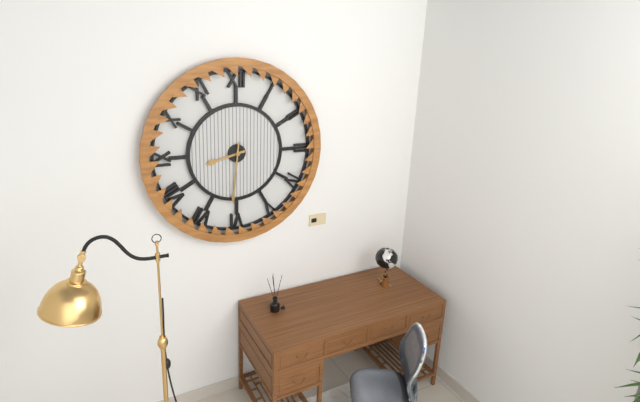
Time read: **8:31**
